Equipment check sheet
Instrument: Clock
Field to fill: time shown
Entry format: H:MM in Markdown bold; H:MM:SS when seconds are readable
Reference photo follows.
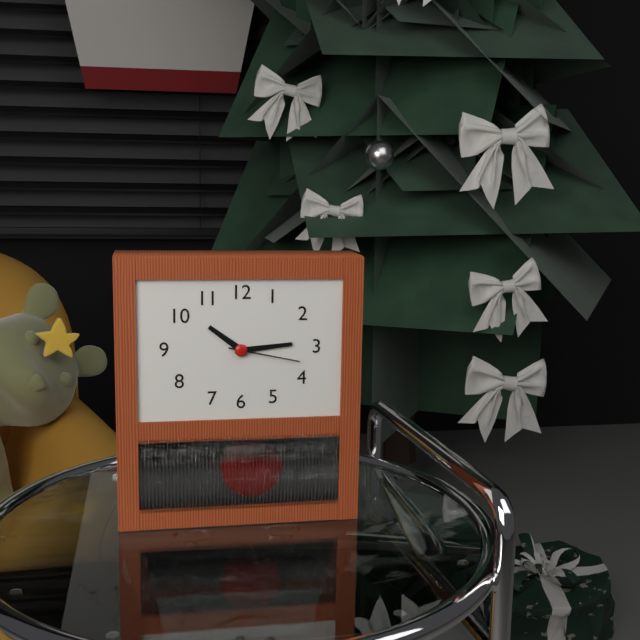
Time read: **10:14:17**
